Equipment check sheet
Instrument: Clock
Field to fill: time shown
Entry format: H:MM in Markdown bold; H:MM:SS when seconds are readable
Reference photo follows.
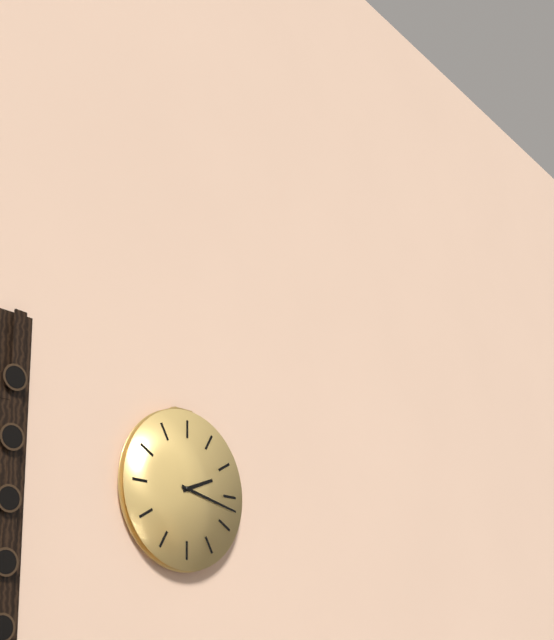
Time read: **2:17**
